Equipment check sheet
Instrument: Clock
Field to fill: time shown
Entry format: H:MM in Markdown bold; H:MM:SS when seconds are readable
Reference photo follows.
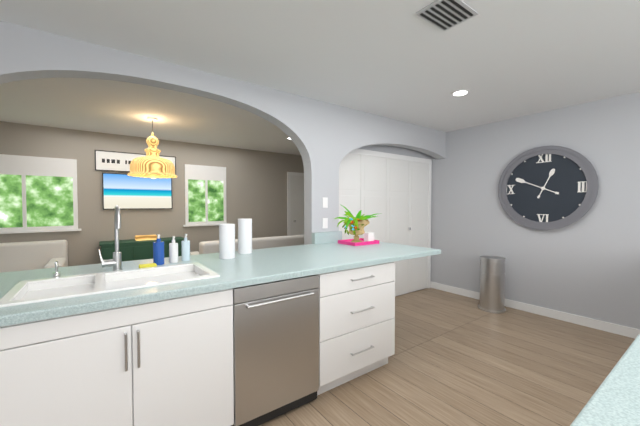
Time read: **12:49**
